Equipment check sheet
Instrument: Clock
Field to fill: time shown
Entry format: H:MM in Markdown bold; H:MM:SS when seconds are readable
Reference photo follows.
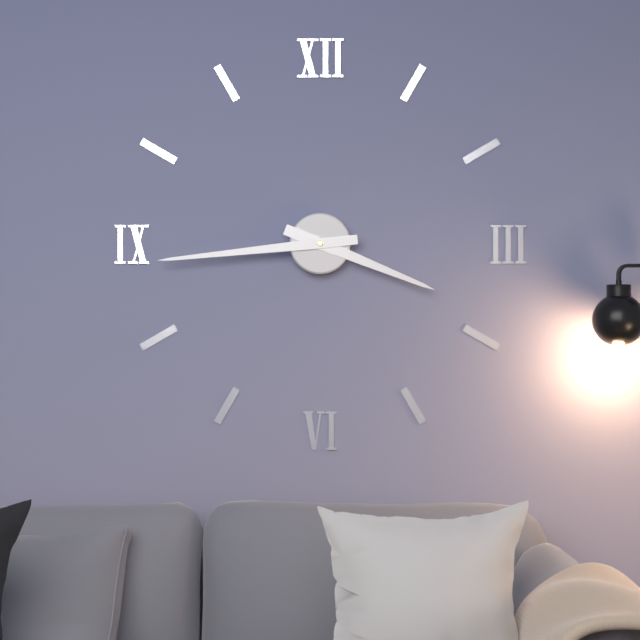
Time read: **3:44**
